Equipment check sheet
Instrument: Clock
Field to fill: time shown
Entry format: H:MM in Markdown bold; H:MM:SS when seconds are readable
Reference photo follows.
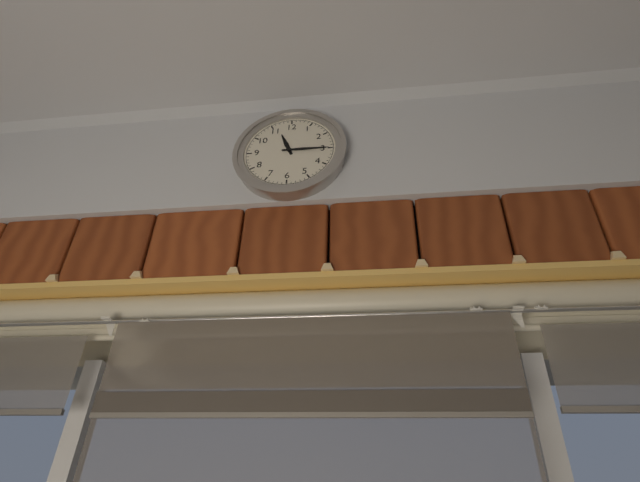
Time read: **11:15**
